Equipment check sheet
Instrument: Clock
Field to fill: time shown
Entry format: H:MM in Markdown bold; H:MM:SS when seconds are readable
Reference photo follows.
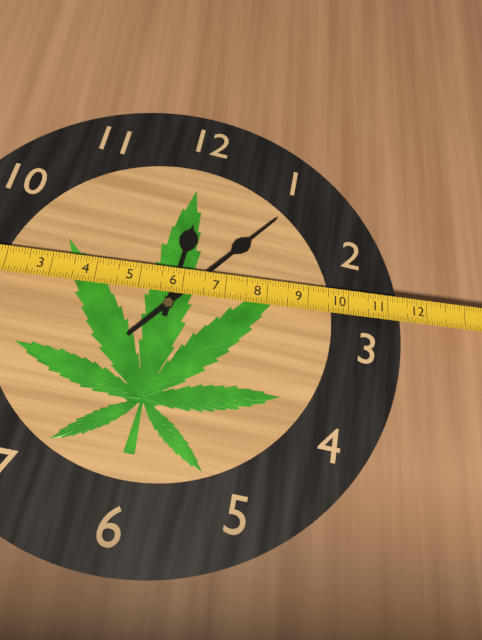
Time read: **12:06**
